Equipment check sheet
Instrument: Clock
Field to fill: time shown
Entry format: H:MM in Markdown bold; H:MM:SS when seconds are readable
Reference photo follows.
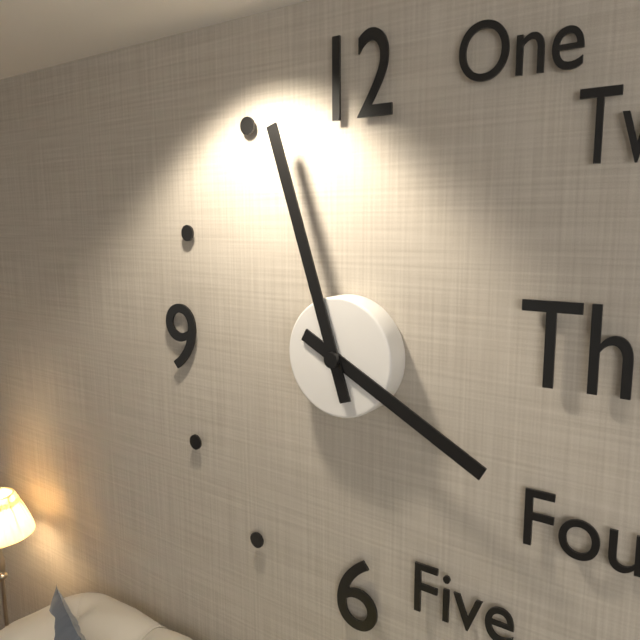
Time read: **3:57**
